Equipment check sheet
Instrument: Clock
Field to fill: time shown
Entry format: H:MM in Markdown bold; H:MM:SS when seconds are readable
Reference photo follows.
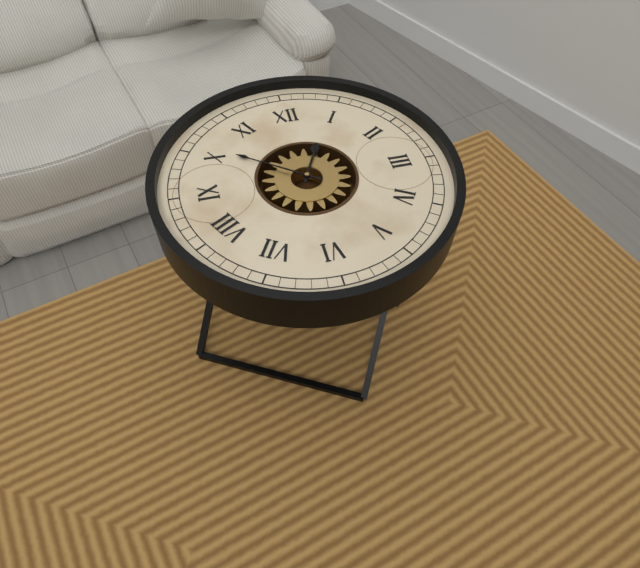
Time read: **12:51**
